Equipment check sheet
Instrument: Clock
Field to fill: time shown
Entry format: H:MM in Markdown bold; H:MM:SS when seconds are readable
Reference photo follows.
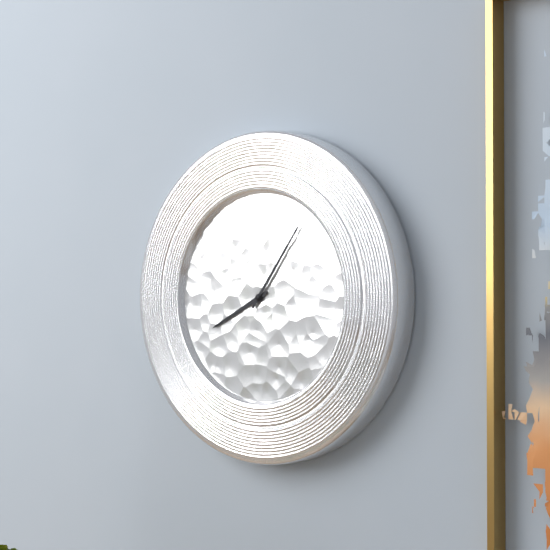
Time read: **8:06**
